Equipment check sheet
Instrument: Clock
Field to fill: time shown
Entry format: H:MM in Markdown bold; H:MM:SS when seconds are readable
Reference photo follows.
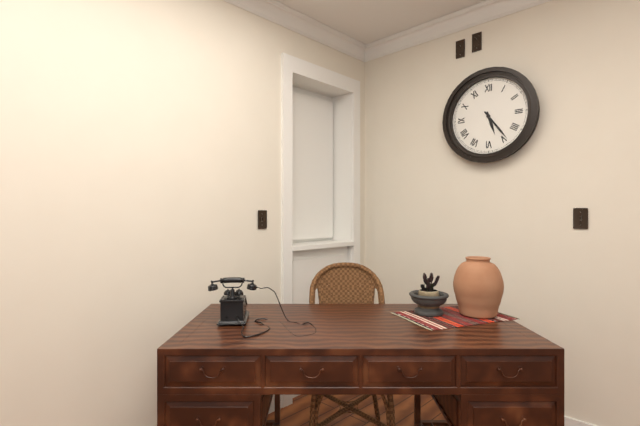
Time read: **5:24**
